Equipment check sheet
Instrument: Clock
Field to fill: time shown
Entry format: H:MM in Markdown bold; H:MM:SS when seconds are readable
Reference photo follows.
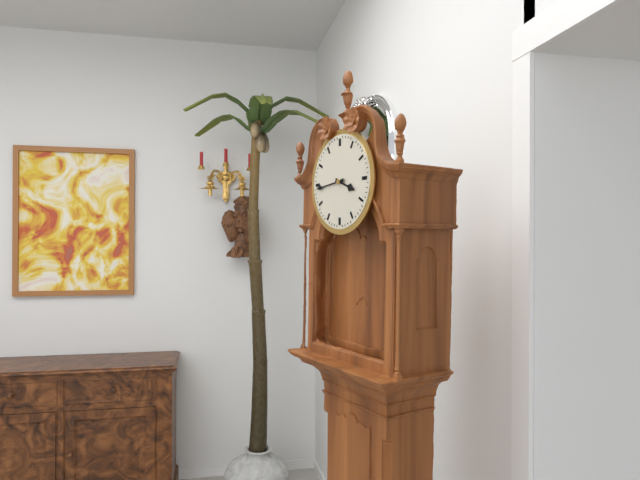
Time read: **3:44**
